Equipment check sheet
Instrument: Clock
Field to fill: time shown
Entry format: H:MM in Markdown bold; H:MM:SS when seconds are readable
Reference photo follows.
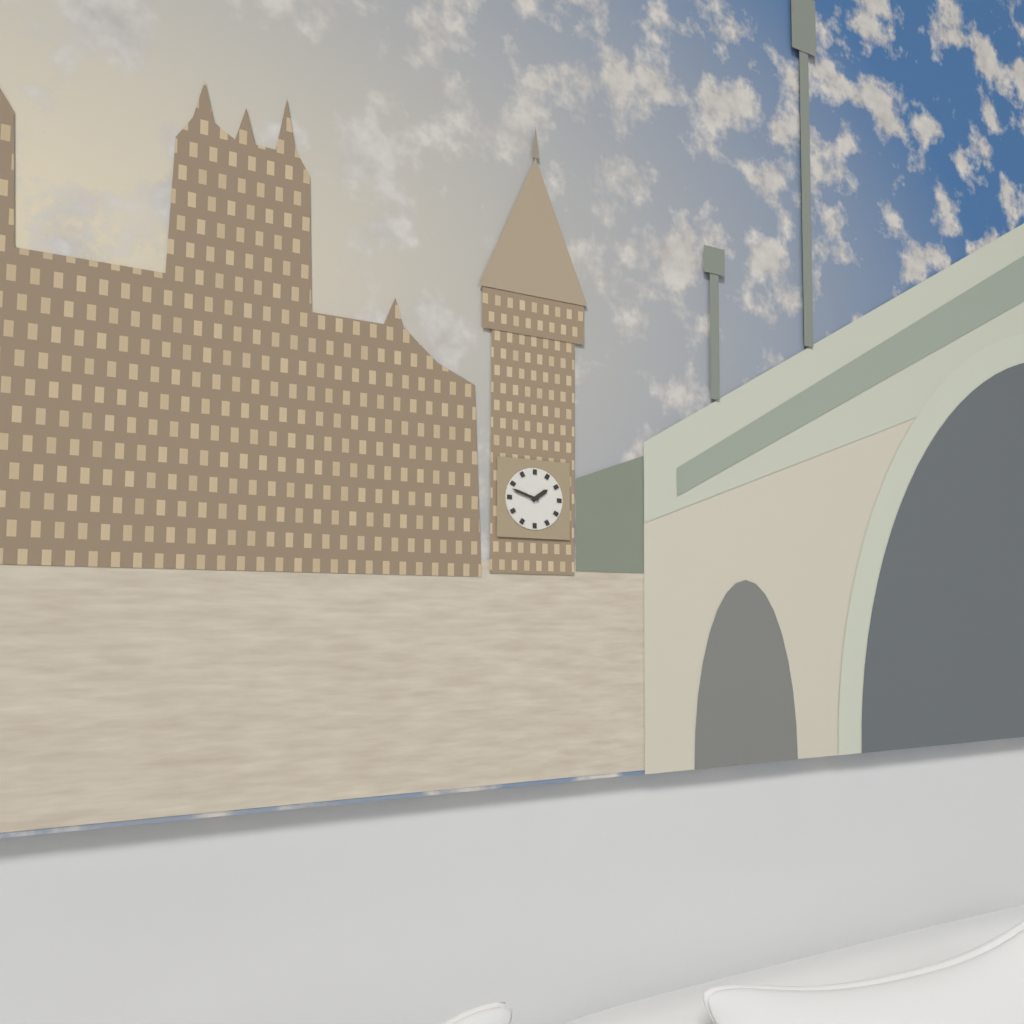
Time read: **1:48**
